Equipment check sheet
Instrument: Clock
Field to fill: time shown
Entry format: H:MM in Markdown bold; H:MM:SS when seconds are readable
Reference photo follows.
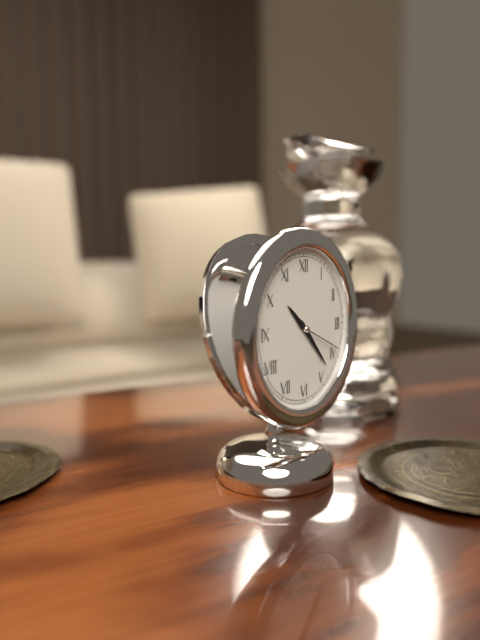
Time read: **10:23**
